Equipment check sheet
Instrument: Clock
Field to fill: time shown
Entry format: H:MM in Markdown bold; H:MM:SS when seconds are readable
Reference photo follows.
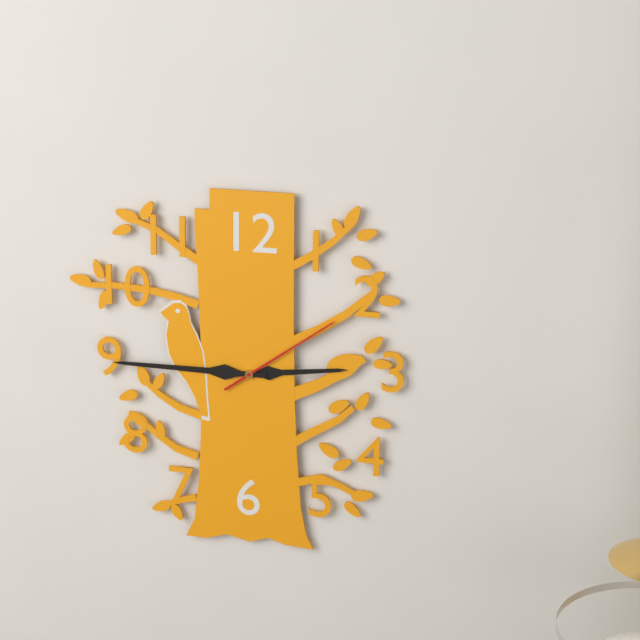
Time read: **2:45:09**
